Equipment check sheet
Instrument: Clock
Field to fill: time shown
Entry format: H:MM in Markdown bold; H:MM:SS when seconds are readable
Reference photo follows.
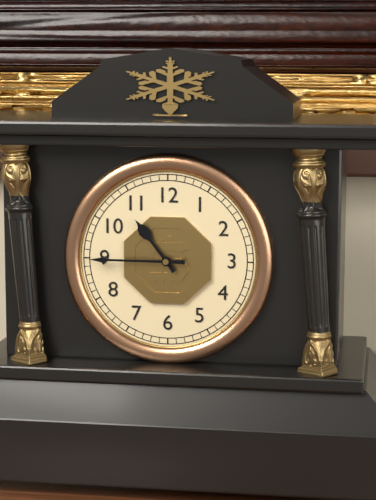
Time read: **10:45**
